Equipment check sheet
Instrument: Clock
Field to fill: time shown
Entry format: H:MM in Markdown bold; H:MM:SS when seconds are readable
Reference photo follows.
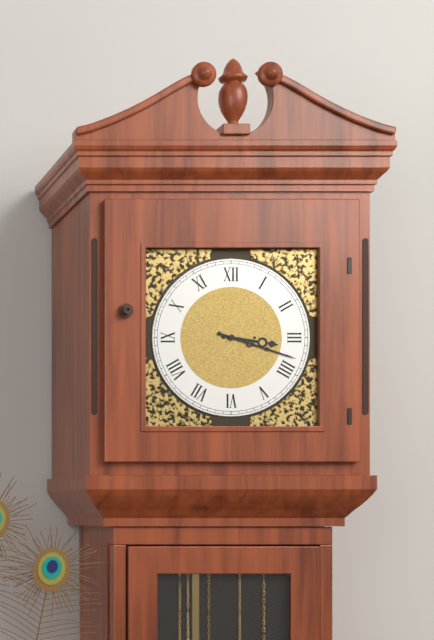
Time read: **3:18**
